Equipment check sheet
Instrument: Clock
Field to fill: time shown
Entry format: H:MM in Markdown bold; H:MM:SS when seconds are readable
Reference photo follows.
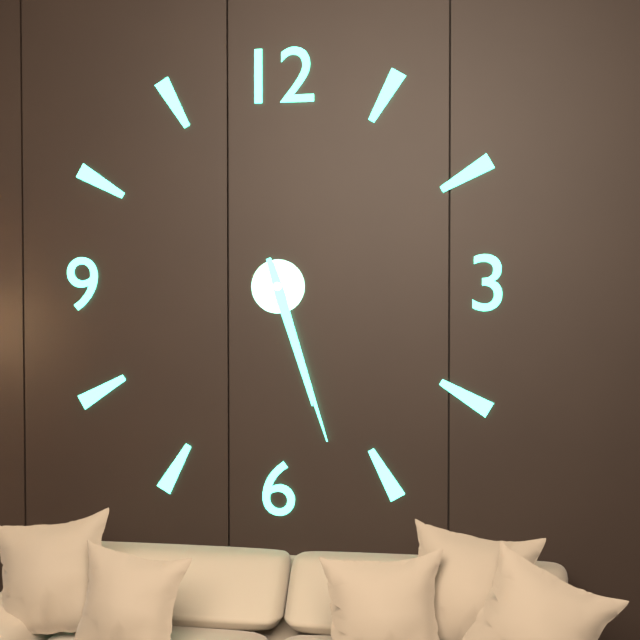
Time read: **5:27**
